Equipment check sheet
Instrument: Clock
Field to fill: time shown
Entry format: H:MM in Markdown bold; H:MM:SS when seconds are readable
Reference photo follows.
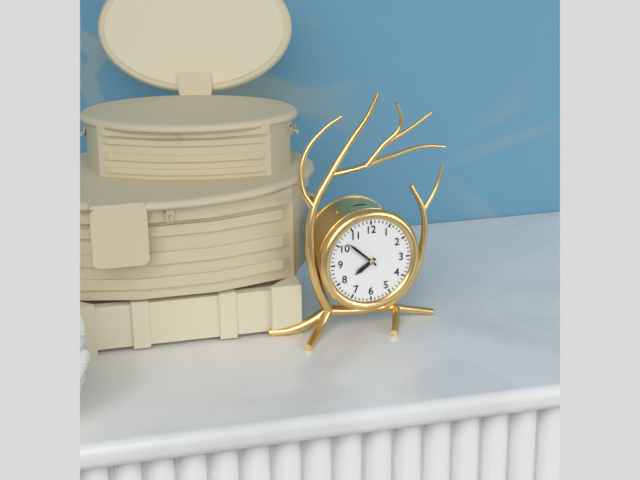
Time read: **7:52**
